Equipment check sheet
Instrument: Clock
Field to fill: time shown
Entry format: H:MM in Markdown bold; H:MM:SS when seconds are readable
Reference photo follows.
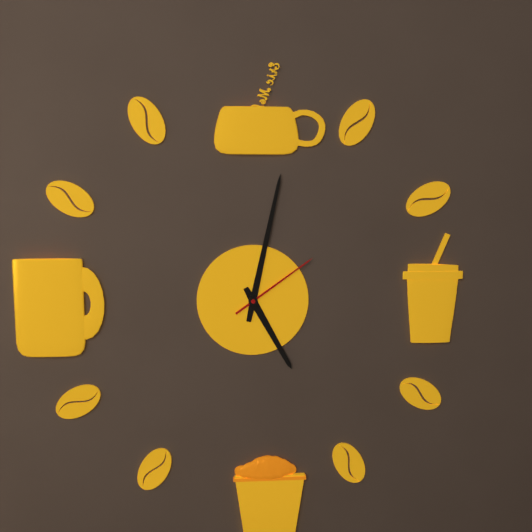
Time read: **5:02:09**
